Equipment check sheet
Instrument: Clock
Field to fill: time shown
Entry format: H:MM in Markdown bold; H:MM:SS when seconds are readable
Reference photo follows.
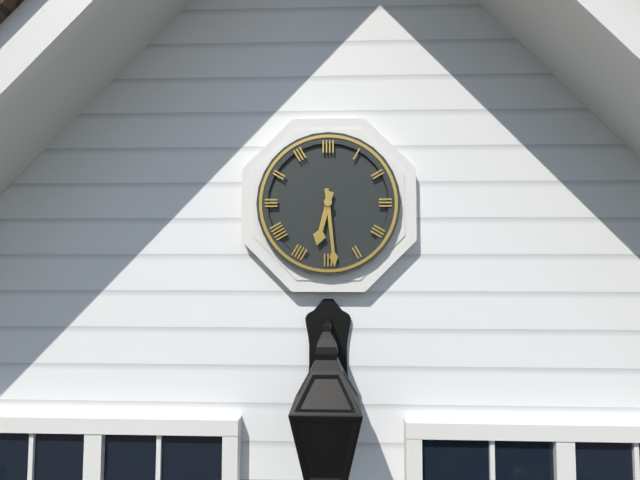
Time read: **6:29**
